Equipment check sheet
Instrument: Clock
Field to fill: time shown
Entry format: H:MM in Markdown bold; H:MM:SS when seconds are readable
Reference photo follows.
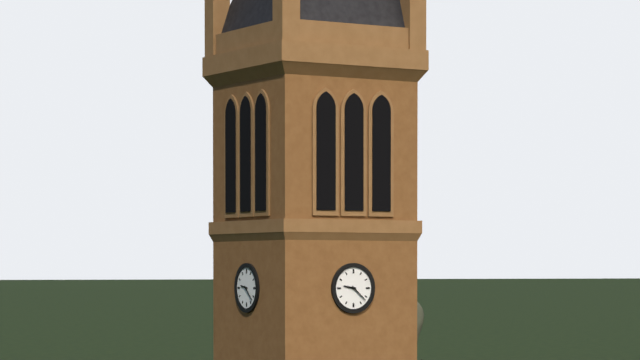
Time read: **9:22**
